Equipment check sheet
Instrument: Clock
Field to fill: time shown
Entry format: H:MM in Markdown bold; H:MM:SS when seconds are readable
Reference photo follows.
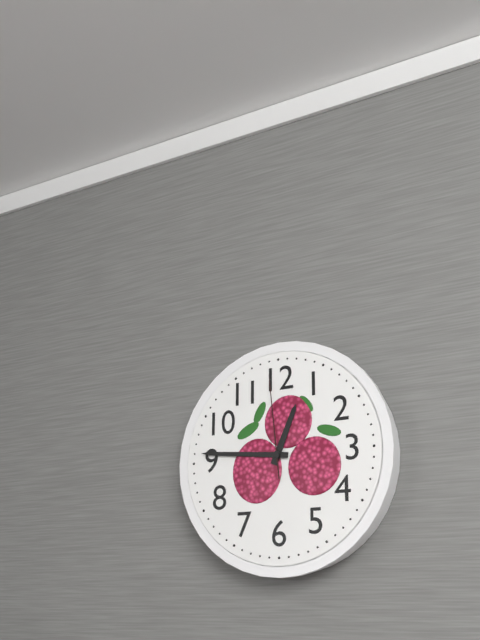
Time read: **12:46:59**
